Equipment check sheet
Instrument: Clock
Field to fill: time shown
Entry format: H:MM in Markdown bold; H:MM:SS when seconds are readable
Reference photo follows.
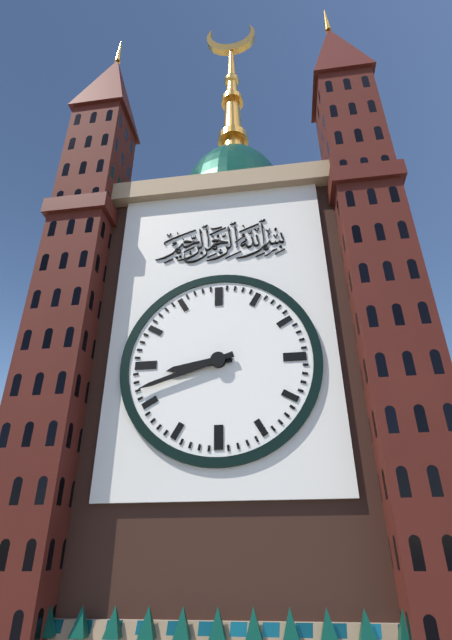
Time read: **8:42**
